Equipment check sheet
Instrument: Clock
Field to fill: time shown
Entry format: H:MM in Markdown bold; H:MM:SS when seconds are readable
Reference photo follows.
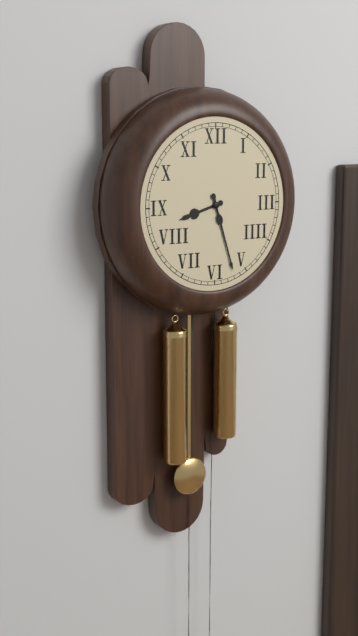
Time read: **8:27**
